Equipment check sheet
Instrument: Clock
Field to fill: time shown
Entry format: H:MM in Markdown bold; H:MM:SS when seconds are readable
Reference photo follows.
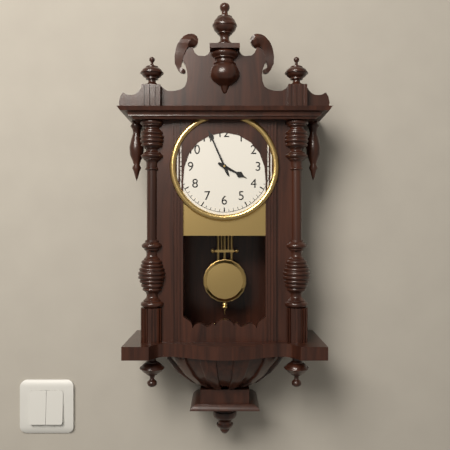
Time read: **3:56**
